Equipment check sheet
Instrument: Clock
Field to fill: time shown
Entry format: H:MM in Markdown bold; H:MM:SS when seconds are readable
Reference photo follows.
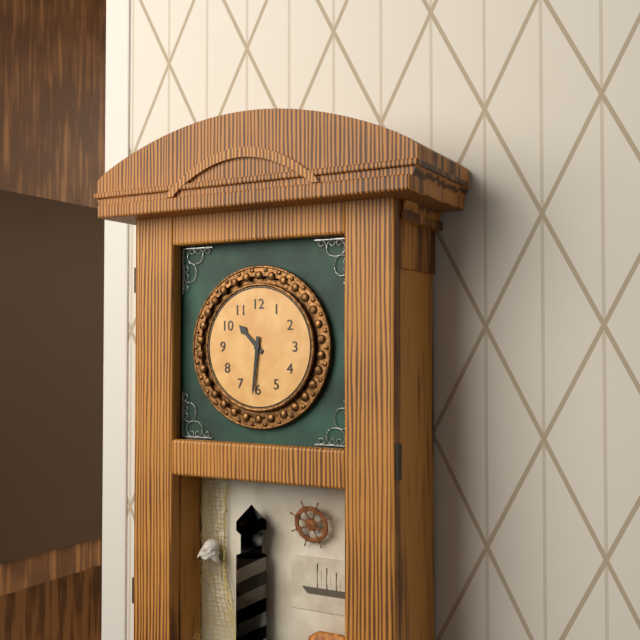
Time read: **10:31**
